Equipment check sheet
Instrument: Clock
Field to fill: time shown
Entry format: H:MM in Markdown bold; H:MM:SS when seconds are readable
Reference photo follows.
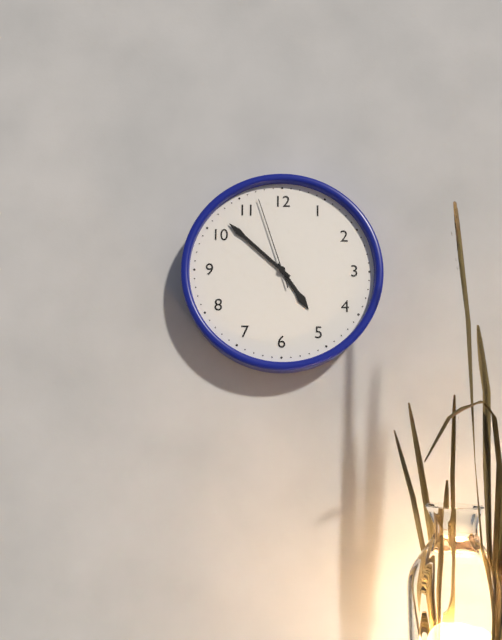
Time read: **4:52:57**
